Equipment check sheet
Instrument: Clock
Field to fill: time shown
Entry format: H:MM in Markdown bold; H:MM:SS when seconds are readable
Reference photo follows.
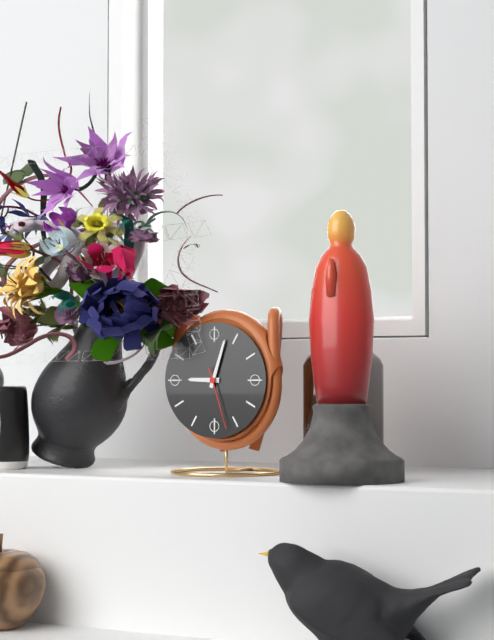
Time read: **9:03:27**
